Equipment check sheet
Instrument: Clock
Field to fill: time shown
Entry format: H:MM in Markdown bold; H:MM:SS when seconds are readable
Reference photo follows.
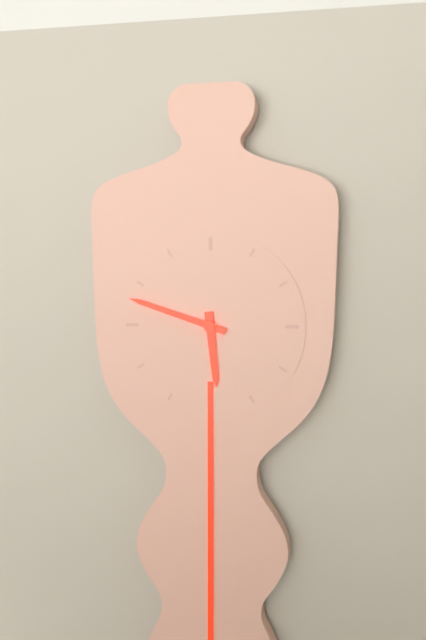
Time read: **5:48**
